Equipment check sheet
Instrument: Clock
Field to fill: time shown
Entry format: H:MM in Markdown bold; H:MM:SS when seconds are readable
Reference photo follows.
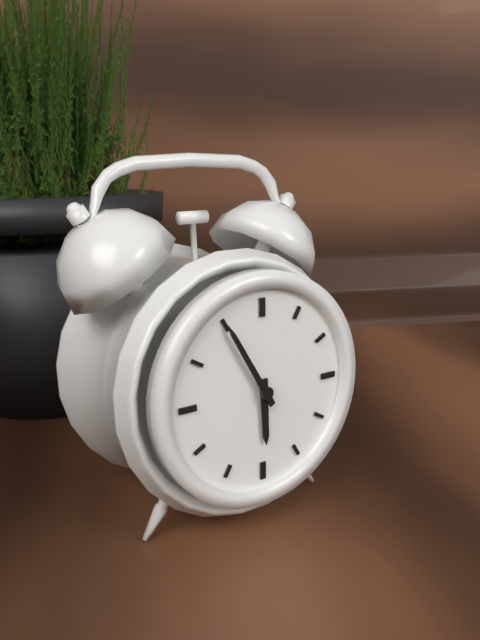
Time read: **5:55**
